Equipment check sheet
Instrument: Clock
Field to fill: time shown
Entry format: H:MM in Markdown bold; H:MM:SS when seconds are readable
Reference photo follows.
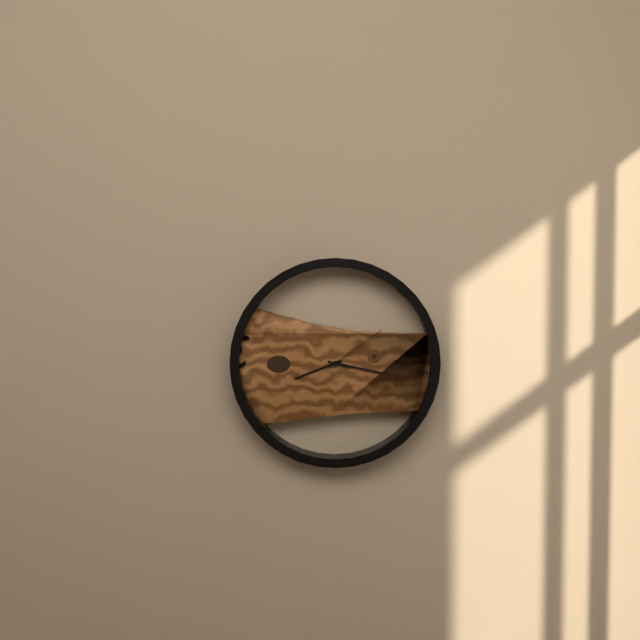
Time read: **8:17:09**
